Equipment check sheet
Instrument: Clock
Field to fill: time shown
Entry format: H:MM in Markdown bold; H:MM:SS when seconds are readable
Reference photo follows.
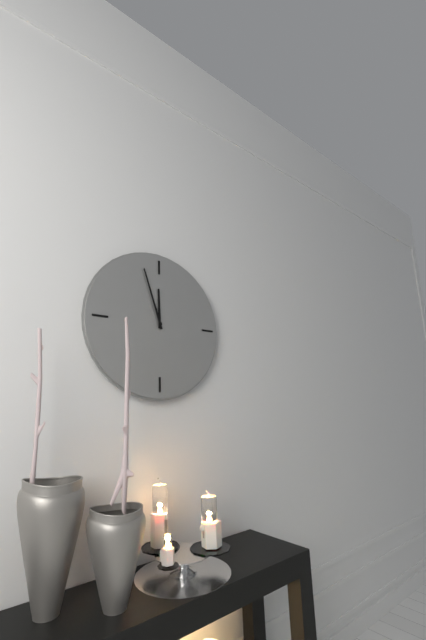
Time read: **11:57**
